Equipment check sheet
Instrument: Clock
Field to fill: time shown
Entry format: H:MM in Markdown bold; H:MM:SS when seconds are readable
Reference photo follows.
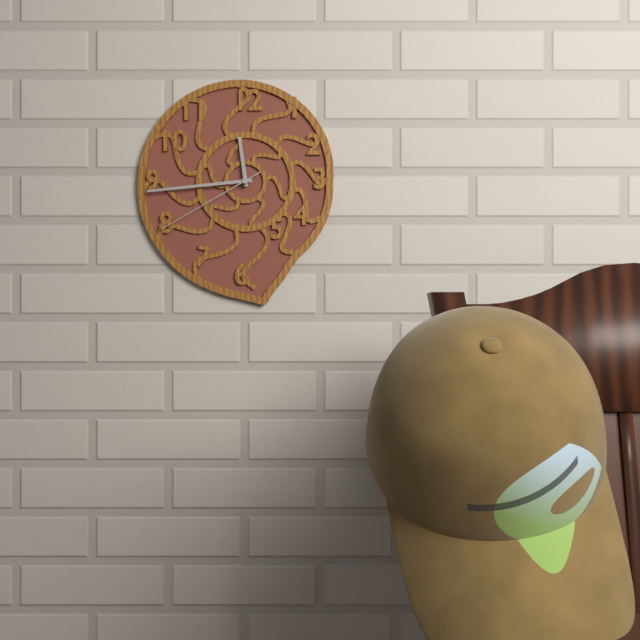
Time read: **11:44:40**
